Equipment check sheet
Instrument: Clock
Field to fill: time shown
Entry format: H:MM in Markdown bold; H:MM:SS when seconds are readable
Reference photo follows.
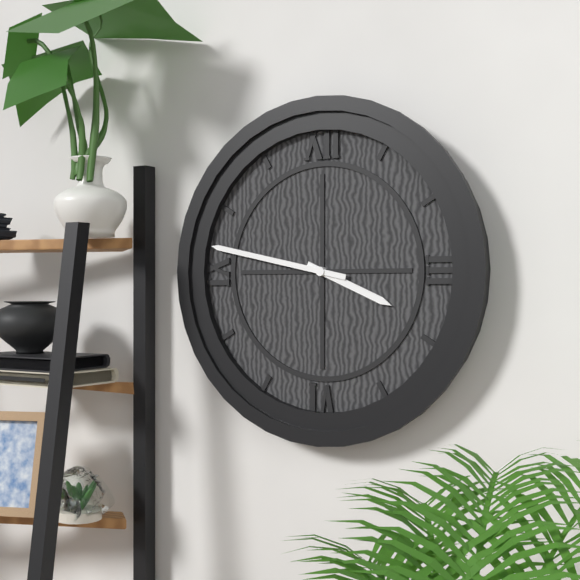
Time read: **3:47**
